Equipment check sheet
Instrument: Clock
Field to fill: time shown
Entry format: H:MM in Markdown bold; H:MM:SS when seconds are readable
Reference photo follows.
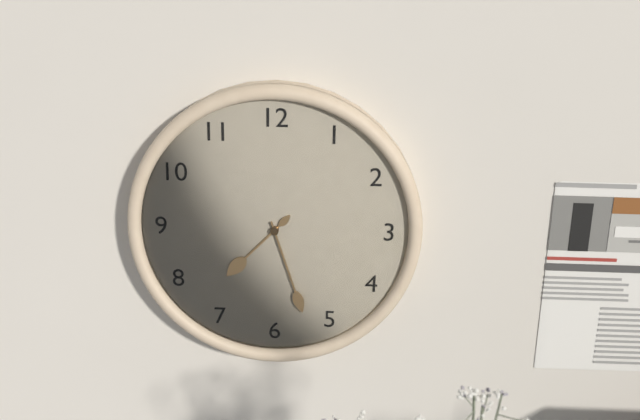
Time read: **7:27**
